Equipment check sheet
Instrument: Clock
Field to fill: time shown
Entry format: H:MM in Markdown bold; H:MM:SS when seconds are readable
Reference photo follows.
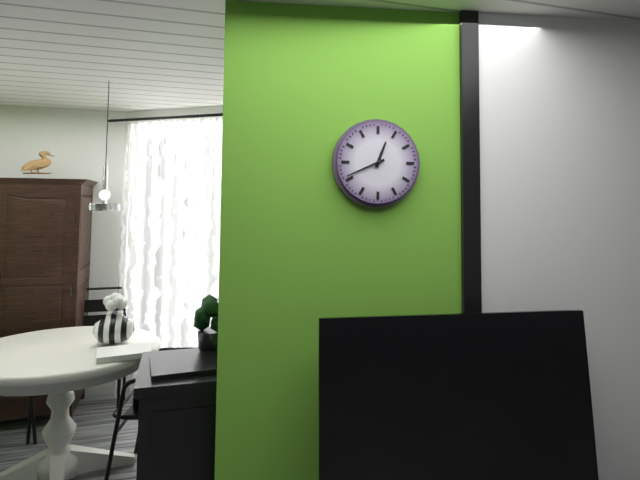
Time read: **12:41**
